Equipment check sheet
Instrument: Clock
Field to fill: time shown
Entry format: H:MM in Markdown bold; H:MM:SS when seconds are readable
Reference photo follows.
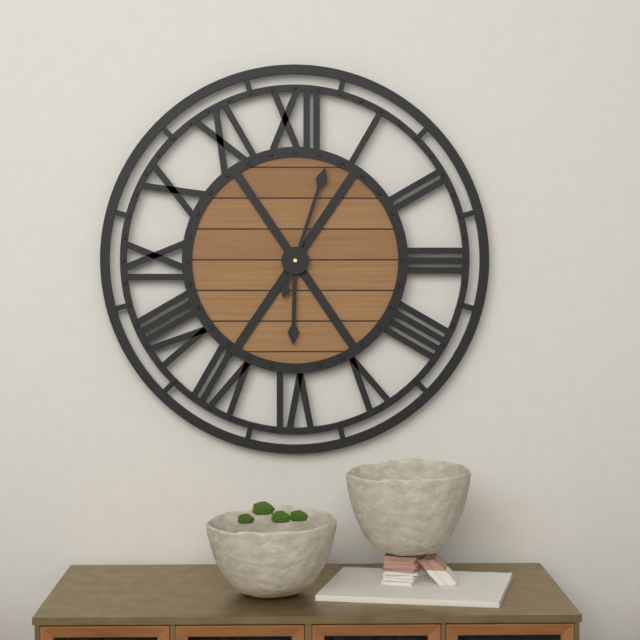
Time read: **6:03**
